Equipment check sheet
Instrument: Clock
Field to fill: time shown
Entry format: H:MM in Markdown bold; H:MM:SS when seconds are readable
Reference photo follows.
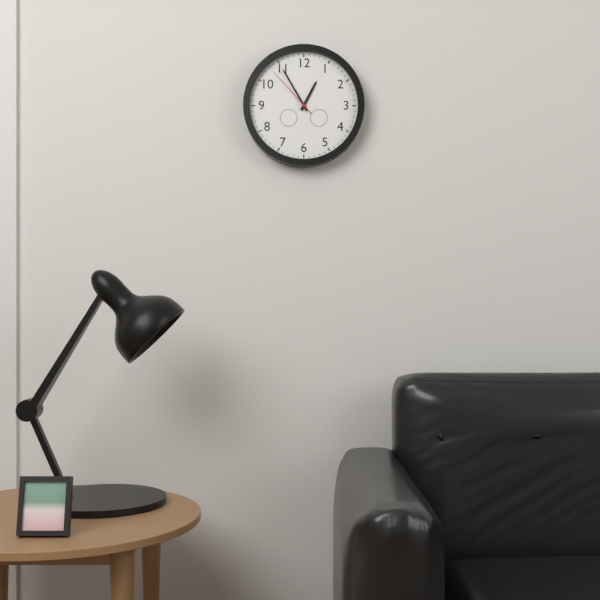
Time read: **12:55:53**
